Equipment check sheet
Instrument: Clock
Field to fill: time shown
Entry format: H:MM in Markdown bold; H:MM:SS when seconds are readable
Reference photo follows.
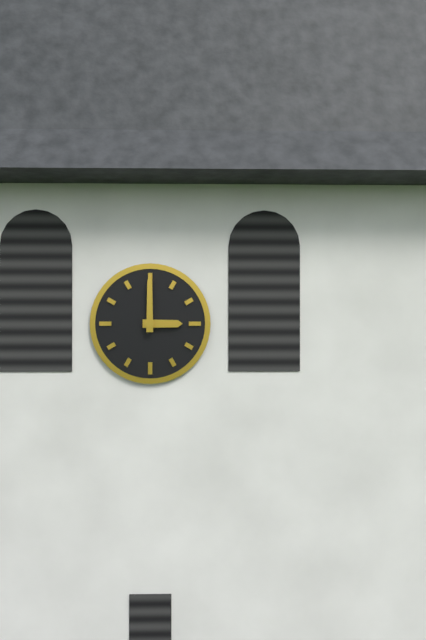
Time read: **3:00**
